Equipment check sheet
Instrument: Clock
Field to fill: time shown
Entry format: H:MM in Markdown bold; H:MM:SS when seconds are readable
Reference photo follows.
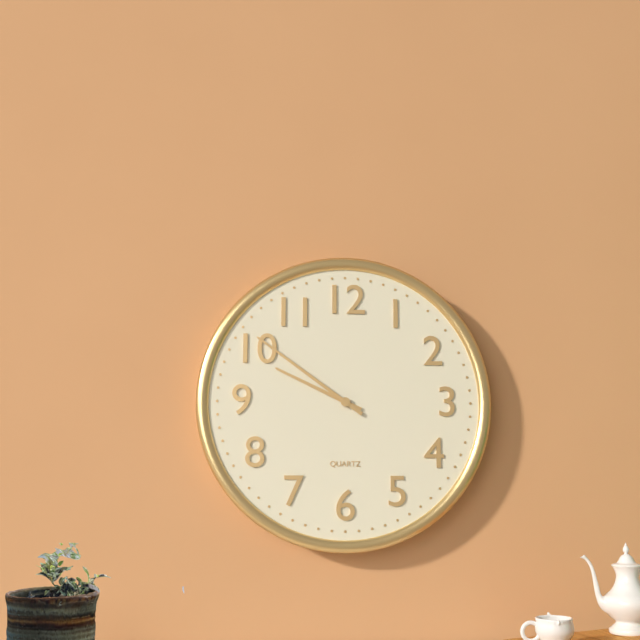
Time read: **9:51**
